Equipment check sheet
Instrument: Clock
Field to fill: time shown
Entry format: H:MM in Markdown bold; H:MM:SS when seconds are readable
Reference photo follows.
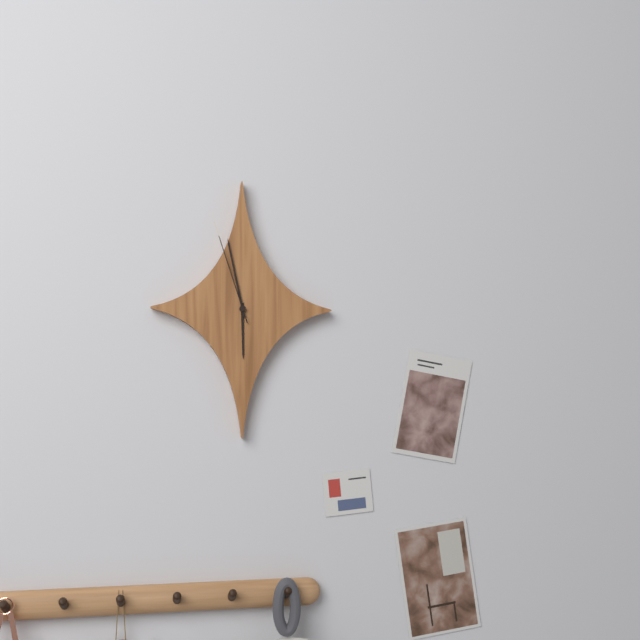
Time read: **5:58:57**
